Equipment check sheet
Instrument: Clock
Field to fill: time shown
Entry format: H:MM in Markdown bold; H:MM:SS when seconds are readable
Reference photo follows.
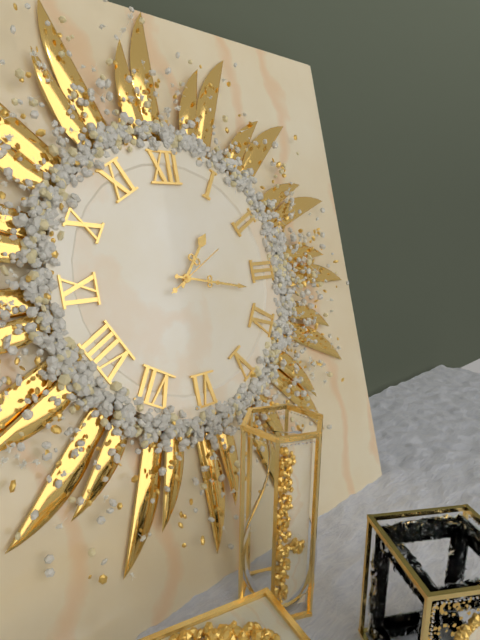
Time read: **1:17:10**
